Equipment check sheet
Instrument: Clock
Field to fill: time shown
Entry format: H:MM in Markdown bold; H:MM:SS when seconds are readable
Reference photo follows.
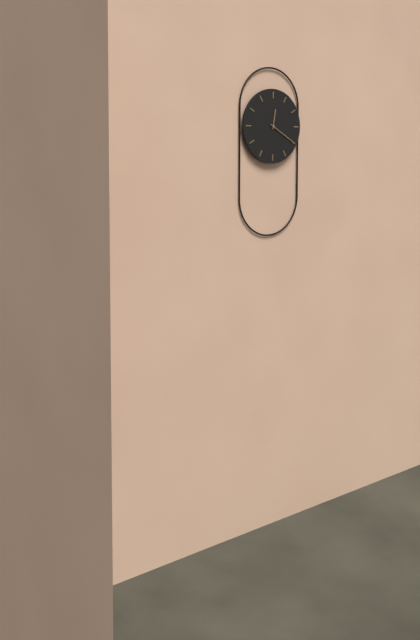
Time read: **12:20**
